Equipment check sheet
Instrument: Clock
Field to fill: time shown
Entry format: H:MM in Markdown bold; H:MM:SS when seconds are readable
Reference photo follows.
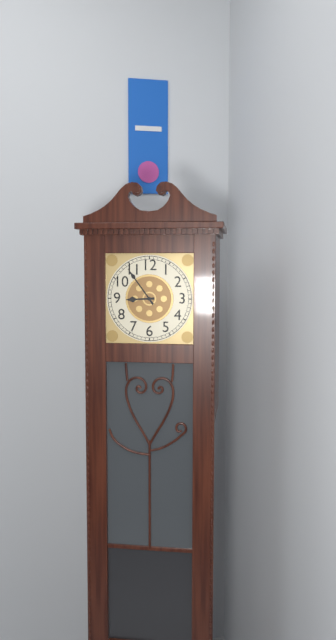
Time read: **8:54**
